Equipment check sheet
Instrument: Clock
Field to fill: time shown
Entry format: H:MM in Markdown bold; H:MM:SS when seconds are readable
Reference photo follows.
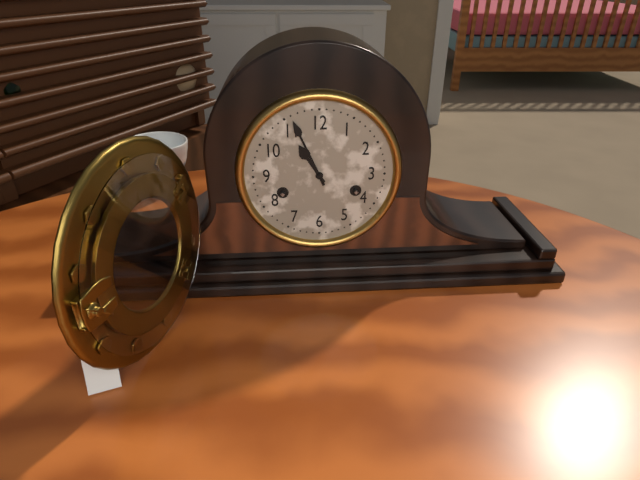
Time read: **10:56**
